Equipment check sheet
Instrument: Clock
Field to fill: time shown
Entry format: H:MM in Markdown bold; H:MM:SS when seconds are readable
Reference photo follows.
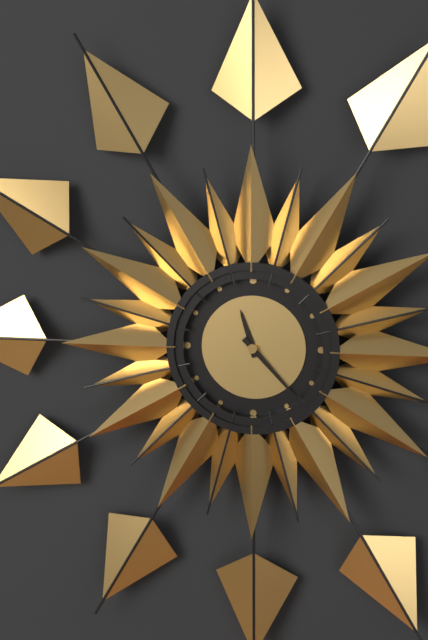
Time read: **11:23**
